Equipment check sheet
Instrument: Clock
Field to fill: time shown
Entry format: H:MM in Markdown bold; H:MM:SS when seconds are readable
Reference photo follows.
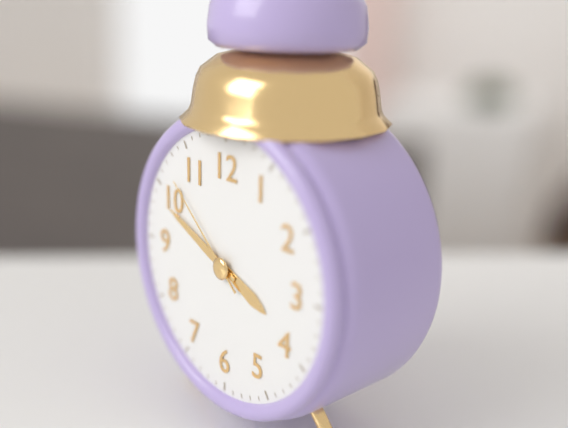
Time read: **3:49:52**
